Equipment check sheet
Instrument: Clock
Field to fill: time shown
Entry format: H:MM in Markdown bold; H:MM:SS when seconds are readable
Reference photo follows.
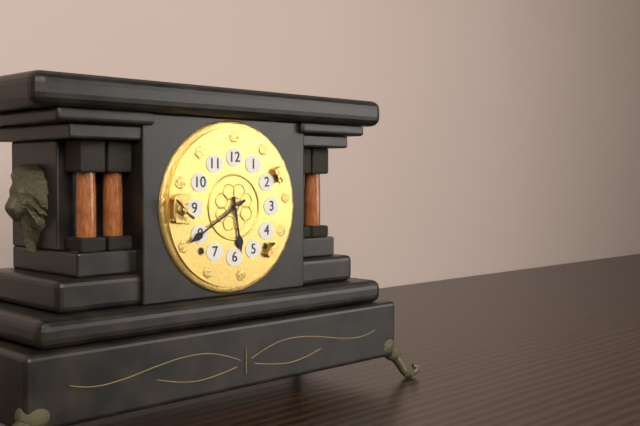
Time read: **5:40**
